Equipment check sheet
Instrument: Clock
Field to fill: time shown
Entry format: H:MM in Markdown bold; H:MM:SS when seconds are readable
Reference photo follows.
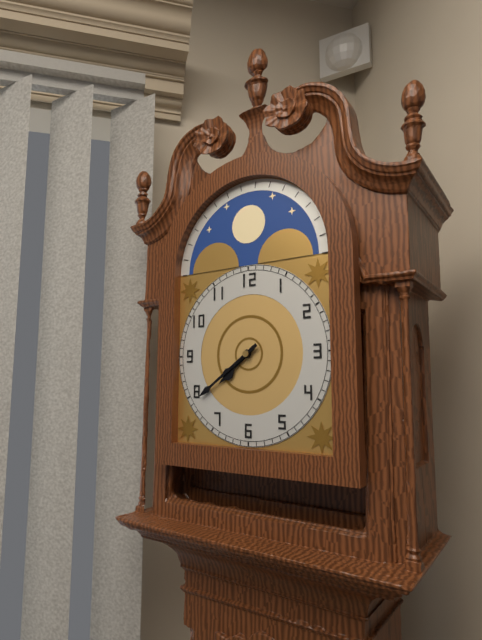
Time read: **7:39**
